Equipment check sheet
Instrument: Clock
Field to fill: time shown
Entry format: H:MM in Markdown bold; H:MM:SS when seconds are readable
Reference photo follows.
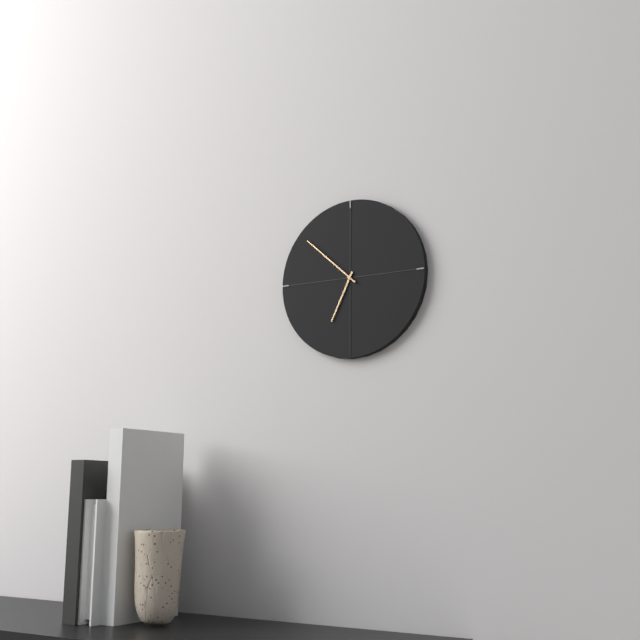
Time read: **6:52**
